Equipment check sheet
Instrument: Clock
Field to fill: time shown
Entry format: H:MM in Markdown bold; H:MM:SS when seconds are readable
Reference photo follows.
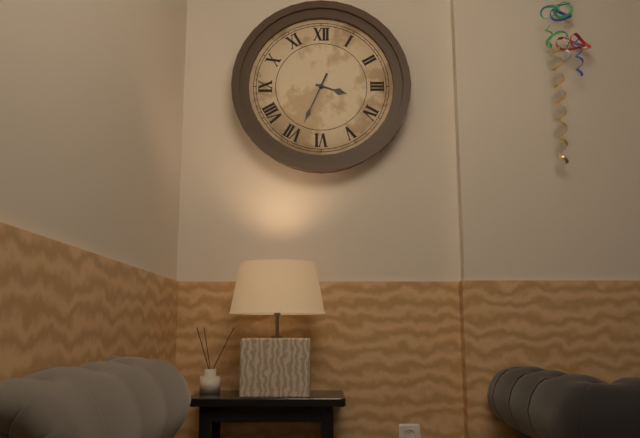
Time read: **3:34**
